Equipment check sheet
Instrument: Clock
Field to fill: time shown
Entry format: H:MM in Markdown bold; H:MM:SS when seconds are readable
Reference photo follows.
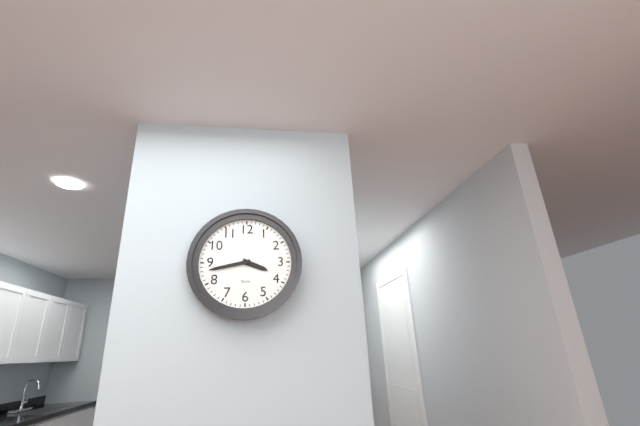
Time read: **3:43**
